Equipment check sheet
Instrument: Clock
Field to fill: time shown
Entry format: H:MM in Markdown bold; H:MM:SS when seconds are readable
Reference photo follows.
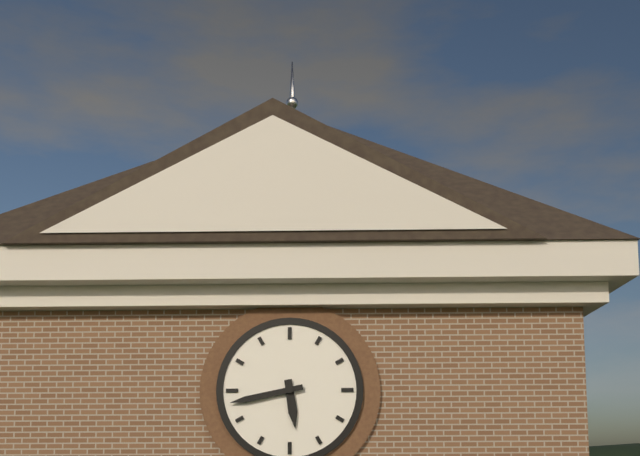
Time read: **5:43**
